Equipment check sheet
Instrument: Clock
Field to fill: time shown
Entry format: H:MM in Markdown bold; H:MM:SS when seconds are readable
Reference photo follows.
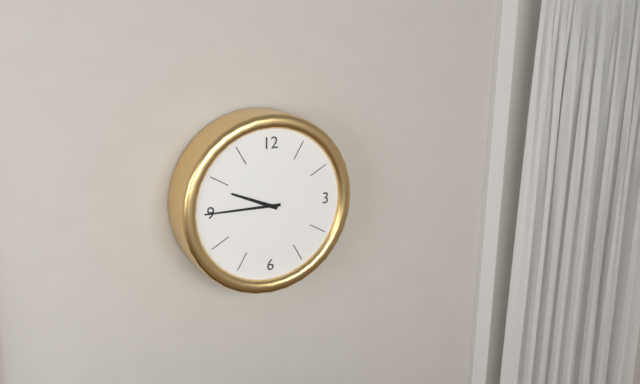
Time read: **9:45**
